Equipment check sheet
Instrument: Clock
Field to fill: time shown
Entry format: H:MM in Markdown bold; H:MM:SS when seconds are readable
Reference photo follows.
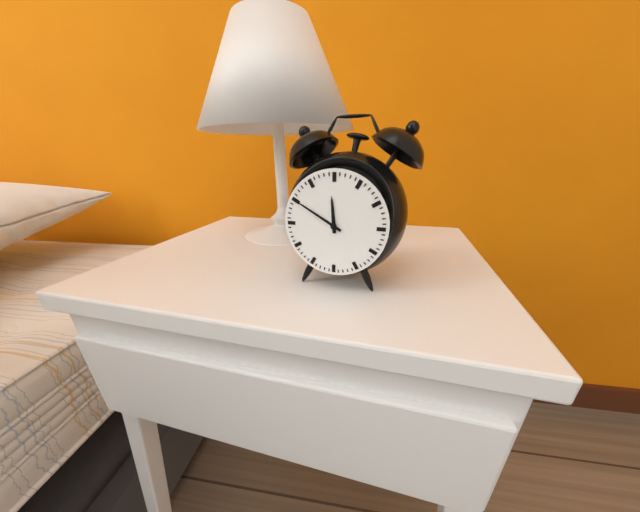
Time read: **11:50**
